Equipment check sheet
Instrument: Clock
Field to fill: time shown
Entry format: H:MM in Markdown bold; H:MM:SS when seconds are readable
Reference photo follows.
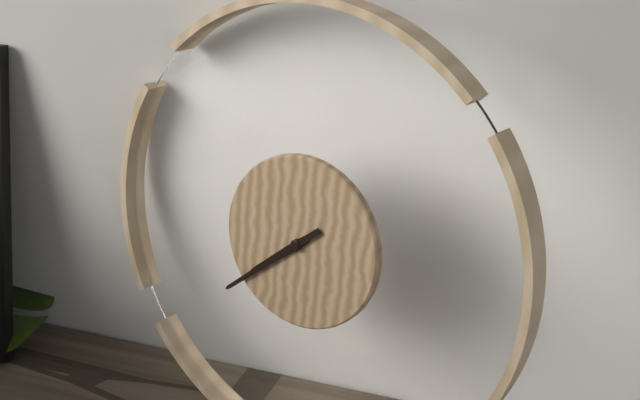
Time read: **7:38**
